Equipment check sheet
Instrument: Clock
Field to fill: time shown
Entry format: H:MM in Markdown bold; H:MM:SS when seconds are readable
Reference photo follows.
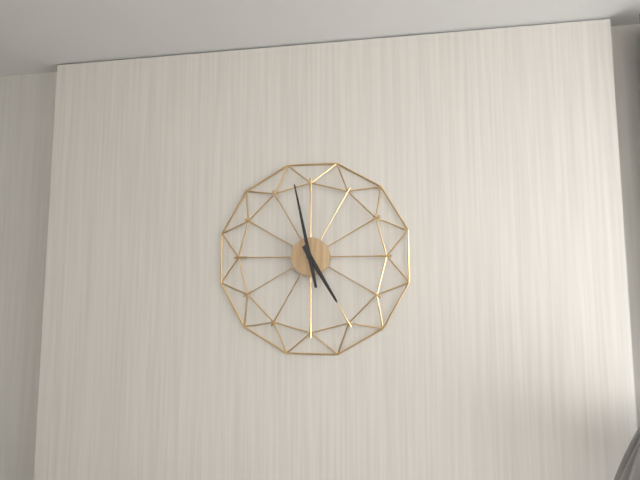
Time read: **4:58**
